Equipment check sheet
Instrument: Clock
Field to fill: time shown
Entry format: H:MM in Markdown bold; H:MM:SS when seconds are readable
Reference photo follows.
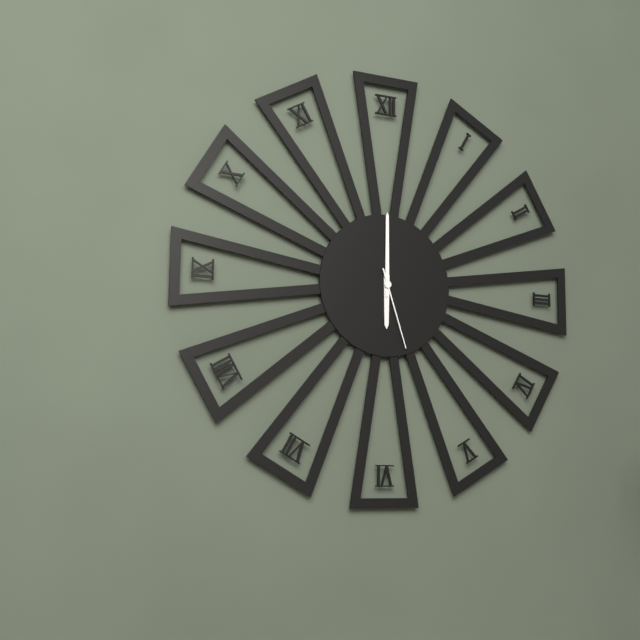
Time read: **6:00:27**
